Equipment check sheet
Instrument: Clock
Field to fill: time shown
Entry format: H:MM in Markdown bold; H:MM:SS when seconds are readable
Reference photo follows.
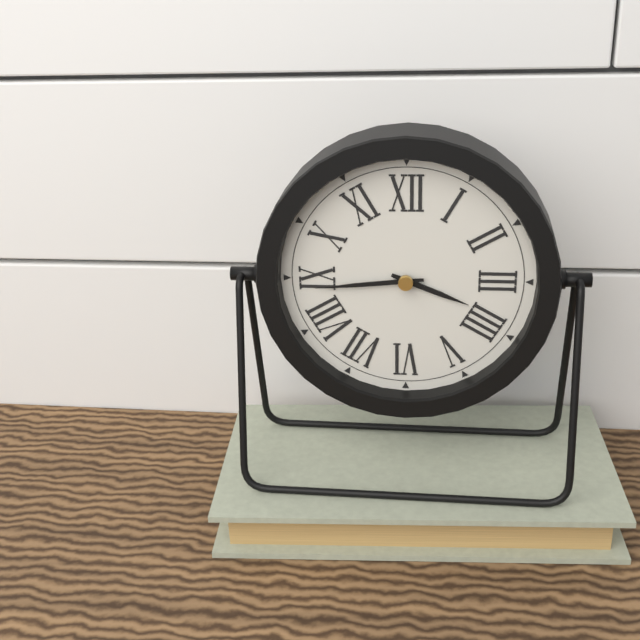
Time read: **3:44**
